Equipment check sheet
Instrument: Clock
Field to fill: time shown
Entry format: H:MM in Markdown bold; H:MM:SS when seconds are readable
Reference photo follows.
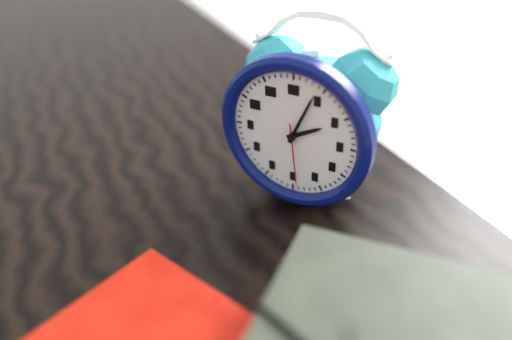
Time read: **2:04:29**
